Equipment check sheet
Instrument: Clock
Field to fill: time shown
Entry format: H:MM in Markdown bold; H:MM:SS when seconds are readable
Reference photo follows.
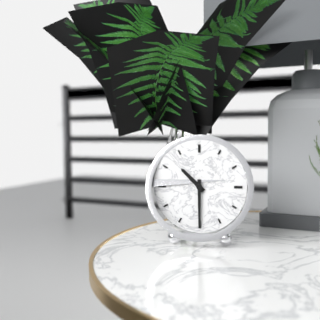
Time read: **10:30**
